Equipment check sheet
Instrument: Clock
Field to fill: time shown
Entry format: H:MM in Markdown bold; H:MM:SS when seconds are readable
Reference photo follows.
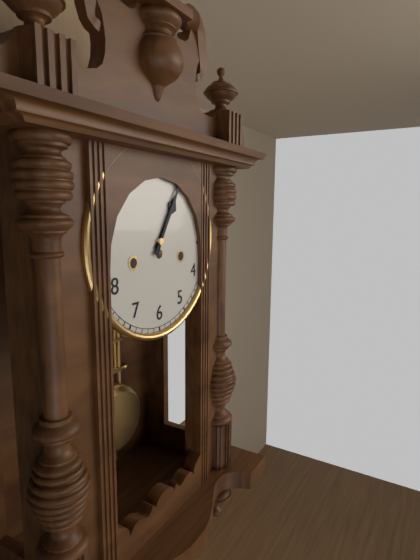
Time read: **1:05**
